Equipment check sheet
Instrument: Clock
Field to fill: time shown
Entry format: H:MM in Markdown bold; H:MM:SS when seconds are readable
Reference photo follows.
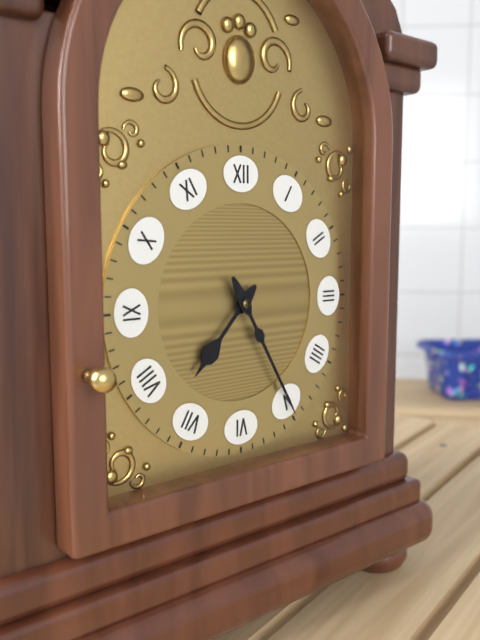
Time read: **7:25**
